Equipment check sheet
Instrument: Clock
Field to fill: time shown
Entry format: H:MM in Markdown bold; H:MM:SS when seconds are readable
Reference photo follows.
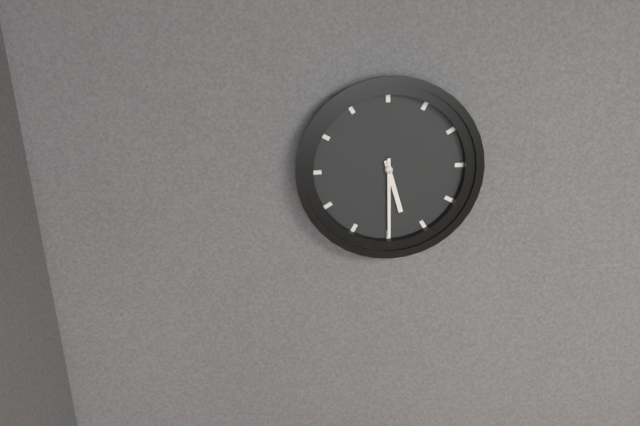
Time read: **5:30**
